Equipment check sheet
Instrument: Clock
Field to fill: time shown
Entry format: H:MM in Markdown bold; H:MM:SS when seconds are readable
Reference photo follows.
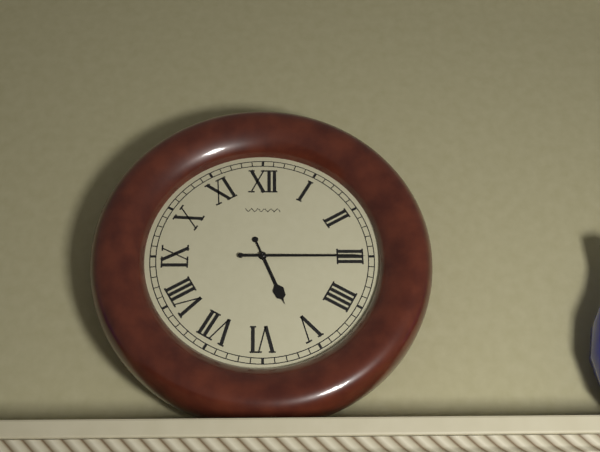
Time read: **5:15**
